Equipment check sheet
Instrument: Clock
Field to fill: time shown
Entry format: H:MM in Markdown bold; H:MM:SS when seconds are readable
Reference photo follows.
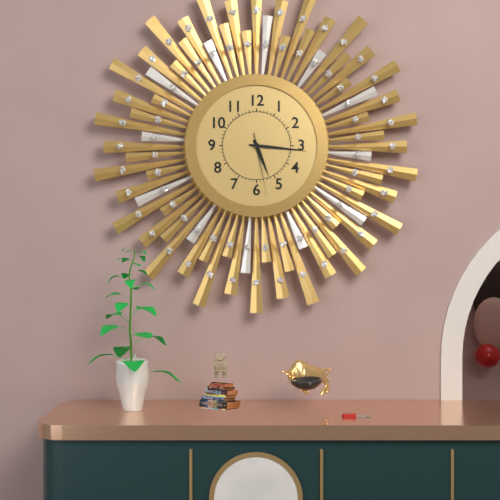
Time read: **5:16:28**
